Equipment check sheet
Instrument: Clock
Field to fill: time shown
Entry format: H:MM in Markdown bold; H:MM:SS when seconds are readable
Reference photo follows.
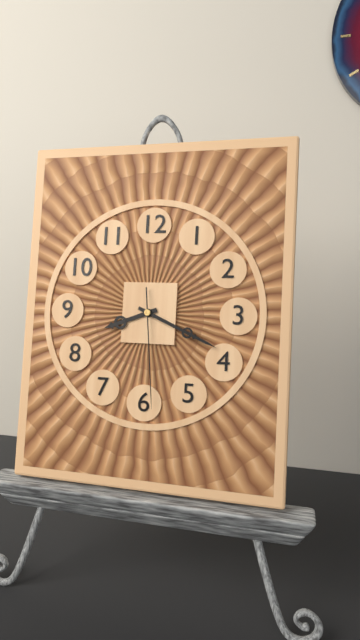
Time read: **8:19:29**
